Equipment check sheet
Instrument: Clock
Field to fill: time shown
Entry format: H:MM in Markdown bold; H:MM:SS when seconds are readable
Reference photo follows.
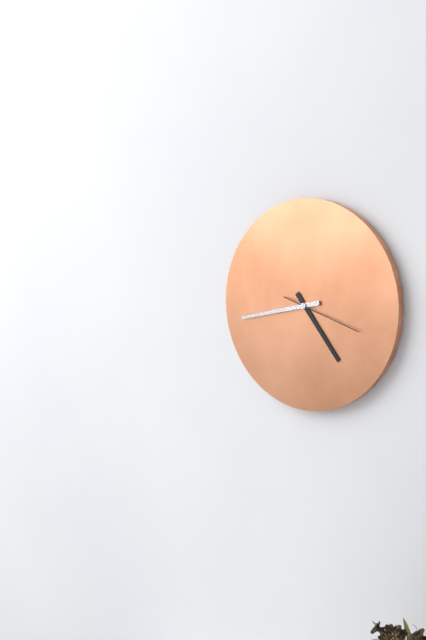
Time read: **4:43:18**
